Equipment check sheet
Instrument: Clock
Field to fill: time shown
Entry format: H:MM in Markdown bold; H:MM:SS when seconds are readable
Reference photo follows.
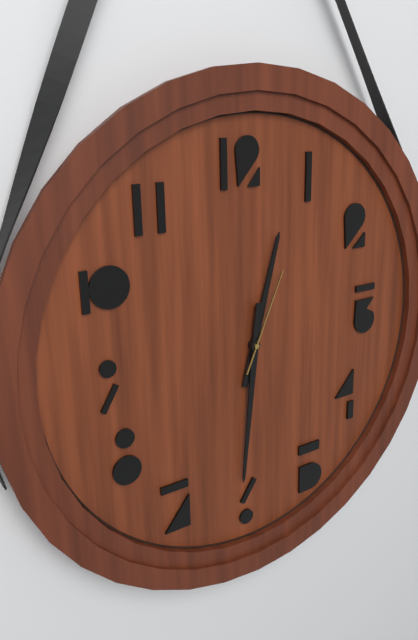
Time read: **12:31:04**
